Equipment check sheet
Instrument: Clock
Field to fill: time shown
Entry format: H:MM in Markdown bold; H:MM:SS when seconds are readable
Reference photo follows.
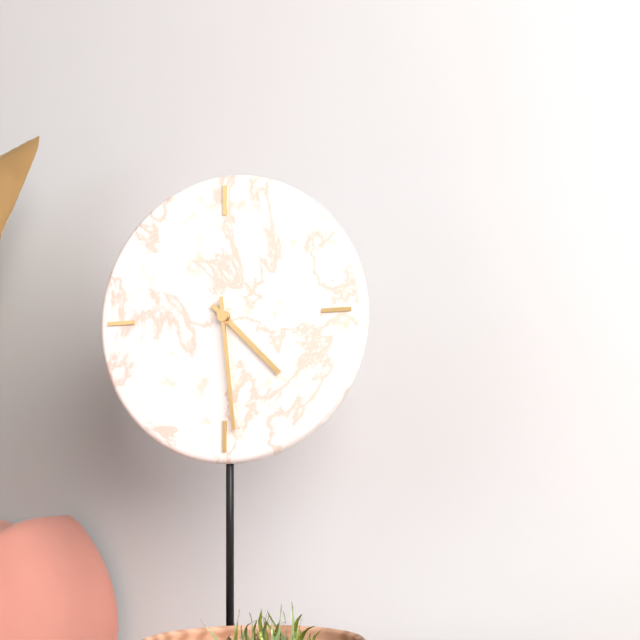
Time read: **4:29**
